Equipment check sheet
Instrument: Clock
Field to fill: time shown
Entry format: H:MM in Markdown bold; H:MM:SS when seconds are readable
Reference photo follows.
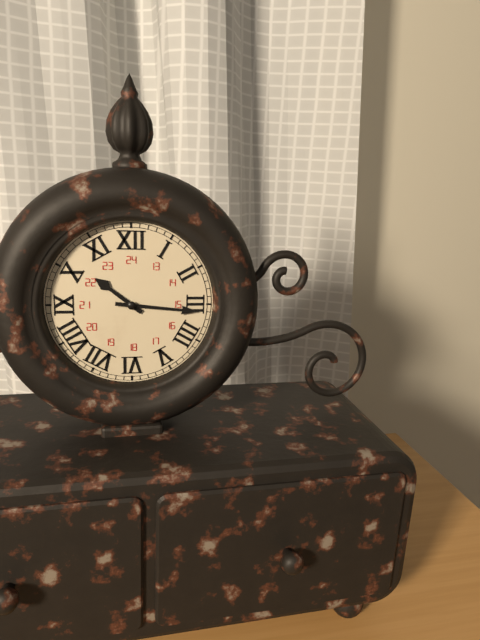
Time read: **10:16**
